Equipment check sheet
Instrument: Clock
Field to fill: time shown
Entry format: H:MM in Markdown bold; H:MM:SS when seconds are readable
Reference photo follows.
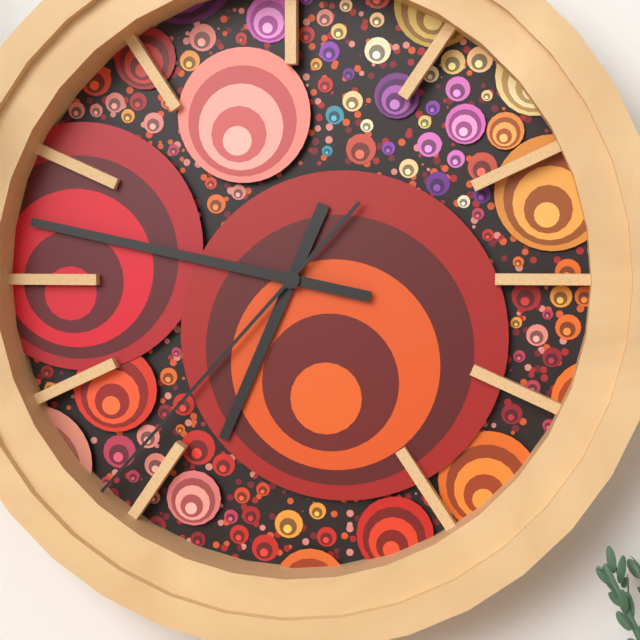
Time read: **6:47:37**
